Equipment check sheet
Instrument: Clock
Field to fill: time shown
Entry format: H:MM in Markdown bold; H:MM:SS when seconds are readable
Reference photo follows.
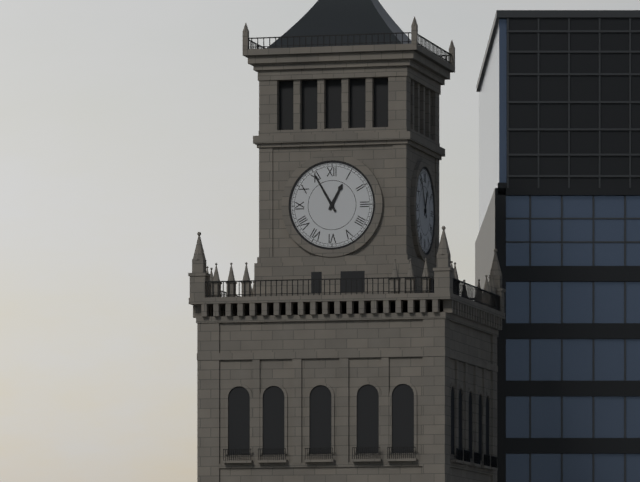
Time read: **12:55**
